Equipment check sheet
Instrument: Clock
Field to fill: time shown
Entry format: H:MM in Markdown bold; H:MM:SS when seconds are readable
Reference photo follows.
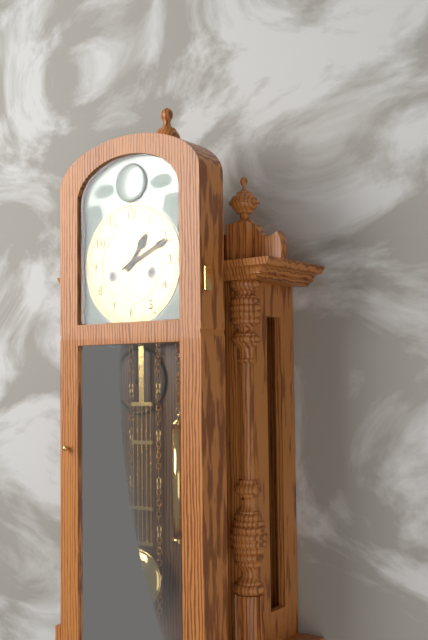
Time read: **1:11**
